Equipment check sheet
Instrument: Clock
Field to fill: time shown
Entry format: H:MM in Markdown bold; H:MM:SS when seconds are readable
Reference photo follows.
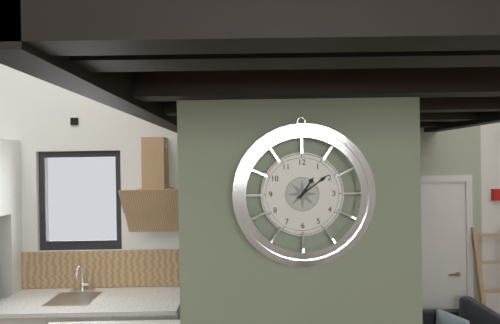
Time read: **1:09**
